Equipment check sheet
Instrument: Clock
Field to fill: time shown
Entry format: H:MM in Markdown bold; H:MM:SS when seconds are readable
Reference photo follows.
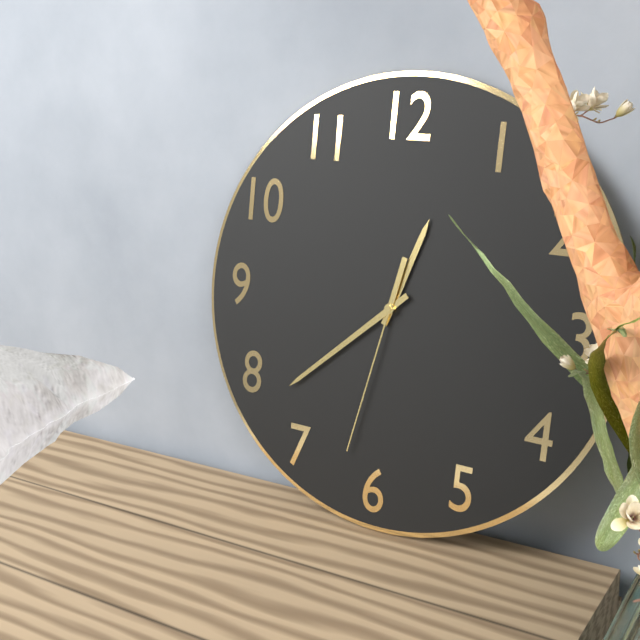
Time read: **12:38:32**
